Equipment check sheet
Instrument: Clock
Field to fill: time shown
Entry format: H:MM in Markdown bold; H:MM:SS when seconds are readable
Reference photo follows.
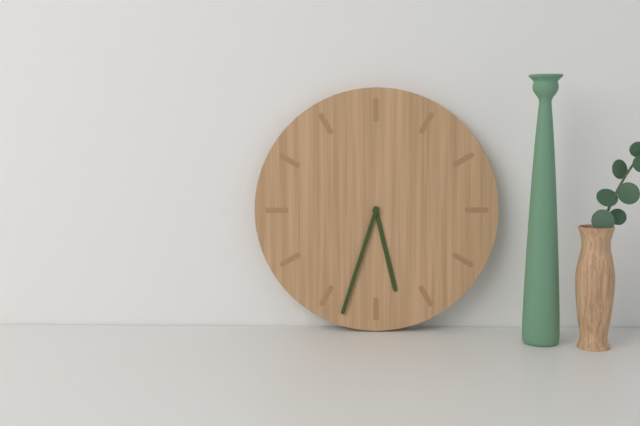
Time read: **5:33**
